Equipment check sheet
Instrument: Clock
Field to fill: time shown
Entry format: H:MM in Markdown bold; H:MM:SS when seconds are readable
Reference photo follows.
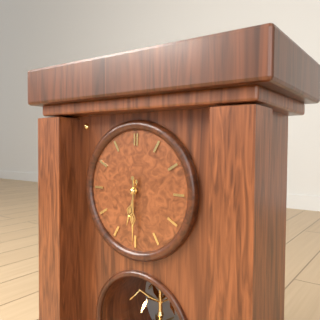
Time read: **6:30**
